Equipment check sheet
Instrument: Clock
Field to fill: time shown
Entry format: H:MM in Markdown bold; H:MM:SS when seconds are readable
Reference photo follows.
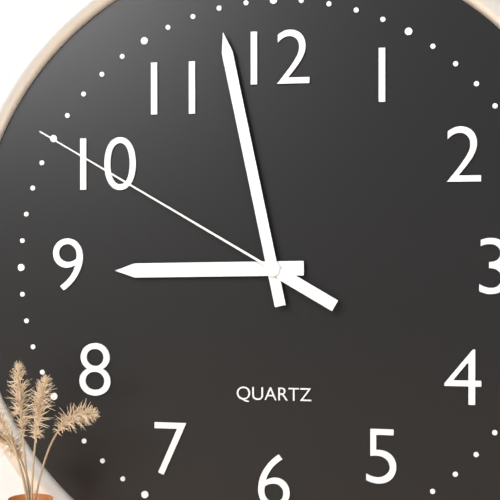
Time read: **8:58:50**
